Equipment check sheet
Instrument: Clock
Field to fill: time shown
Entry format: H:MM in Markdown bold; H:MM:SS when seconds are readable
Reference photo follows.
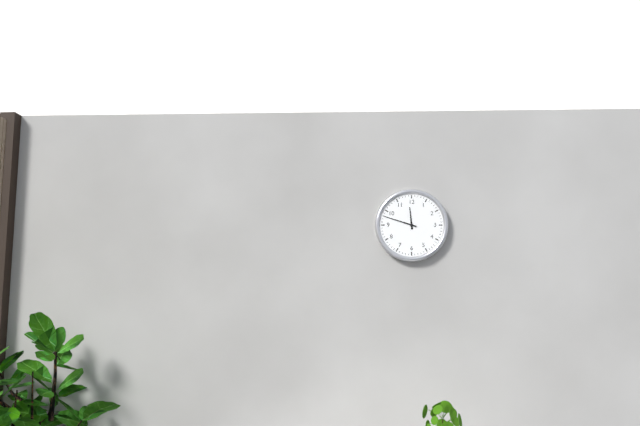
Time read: **11:48**
